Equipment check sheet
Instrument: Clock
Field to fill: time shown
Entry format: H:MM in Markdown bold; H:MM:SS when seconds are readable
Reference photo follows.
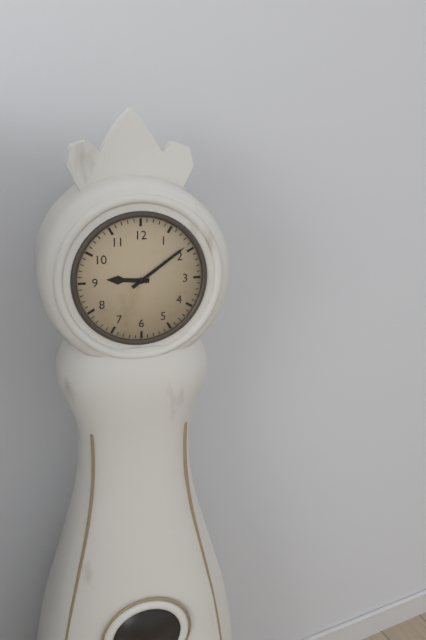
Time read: **9:09**
